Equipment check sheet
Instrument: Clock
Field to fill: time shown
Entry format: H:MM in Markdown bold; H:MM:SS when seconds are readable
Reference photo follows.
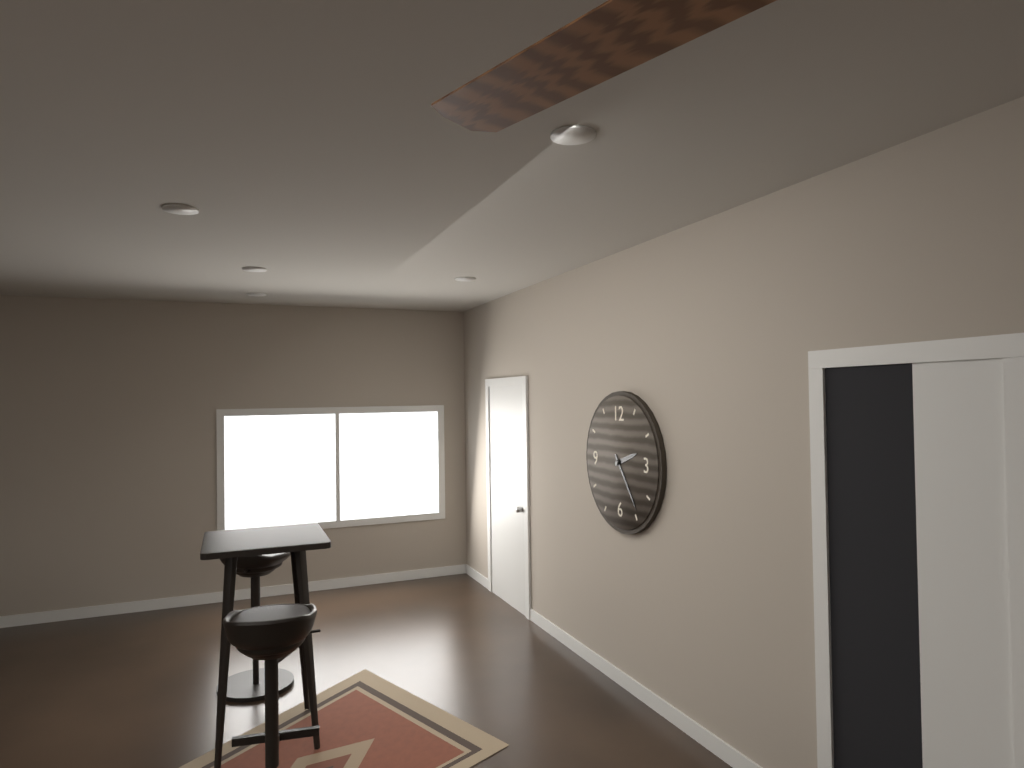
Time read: **2:24**
